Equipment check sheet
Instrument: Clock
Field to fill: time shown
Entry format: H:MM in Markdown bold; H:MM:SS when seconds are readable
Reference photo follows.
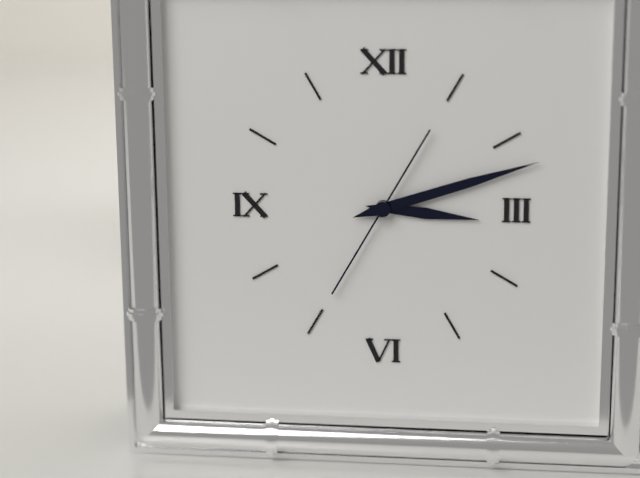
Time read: **3:12:35**
